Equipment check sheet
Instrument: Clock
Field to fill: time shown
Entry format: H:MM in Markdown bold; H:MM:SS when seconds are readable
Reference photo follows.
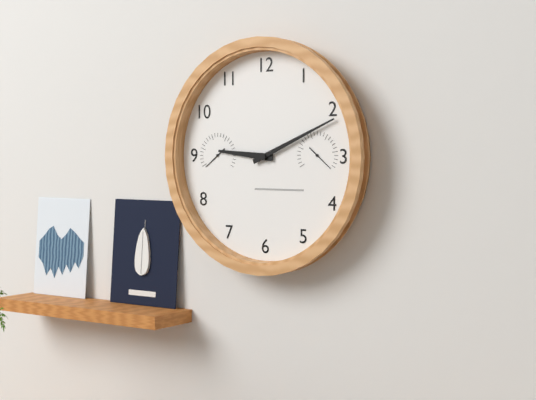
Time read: **9:11**
